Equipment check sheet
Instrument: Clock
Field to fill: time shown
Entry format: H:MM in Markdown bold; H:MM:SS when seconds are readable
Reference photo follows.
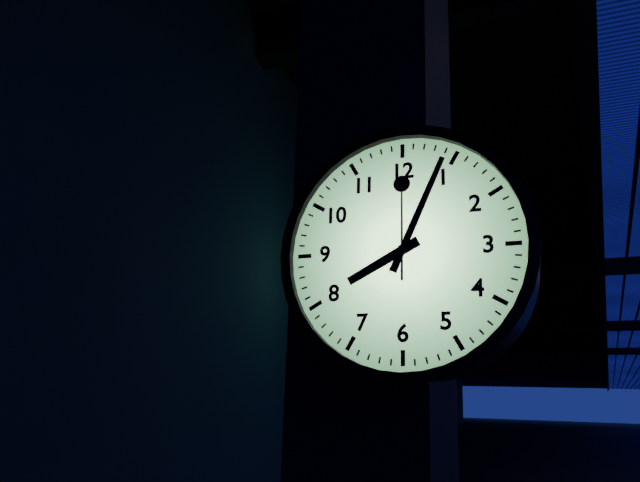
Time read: **8:04:00**
